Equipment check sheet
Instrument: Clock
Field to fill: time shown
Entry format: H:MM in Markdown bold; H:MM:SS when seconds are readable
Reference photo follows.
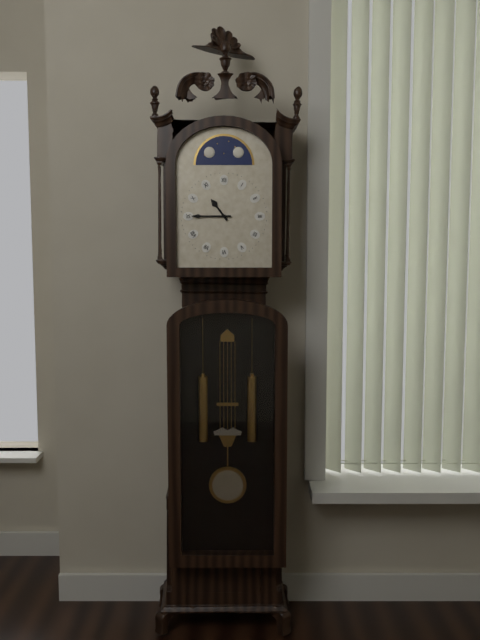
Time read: **10:45**
